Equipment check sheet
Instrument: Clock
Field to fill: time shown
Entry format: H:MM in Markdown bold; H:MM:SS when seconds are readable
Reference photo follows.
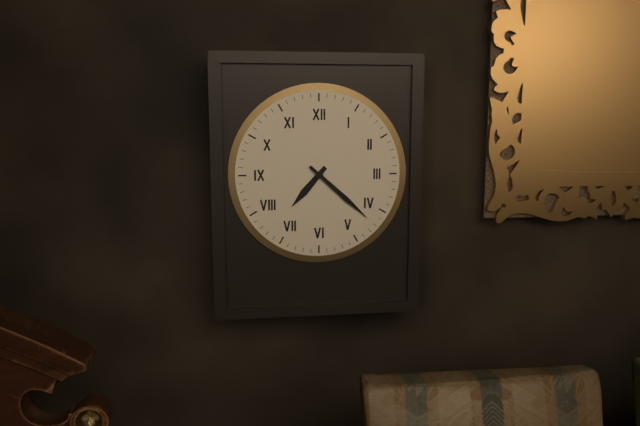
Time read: **7:22**
